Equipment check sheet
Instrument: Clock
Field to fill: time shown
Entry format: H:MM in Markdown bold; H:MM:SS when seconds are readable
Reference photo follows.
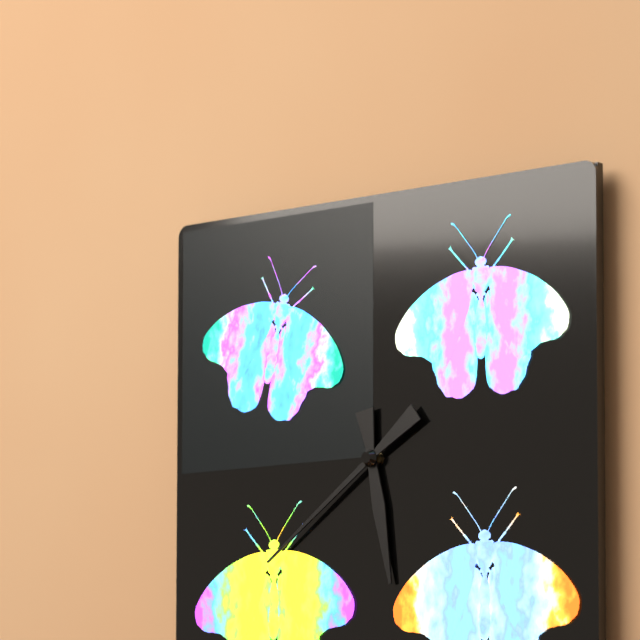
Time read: **5:39**
